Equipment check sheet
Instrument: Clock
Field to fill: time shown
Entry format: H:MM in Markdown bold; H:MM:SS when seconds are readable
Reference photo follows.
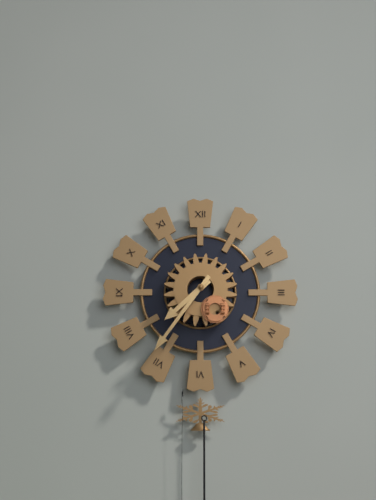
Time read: **7:36**
